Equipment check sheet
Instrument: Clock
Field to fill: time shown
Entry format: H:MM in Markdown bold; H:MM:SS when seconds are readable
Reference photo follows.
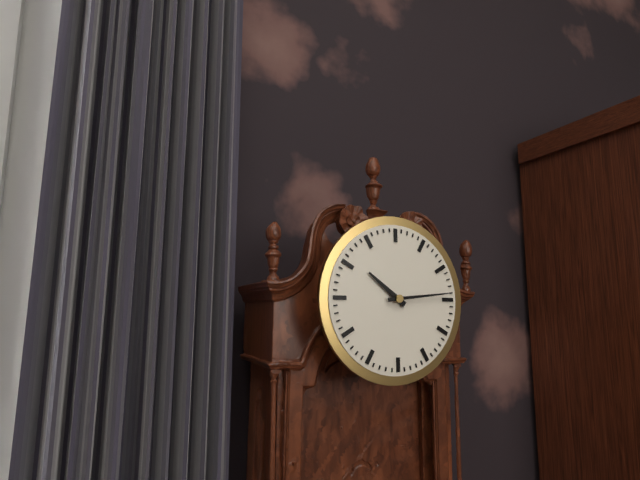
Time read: **10:14**
